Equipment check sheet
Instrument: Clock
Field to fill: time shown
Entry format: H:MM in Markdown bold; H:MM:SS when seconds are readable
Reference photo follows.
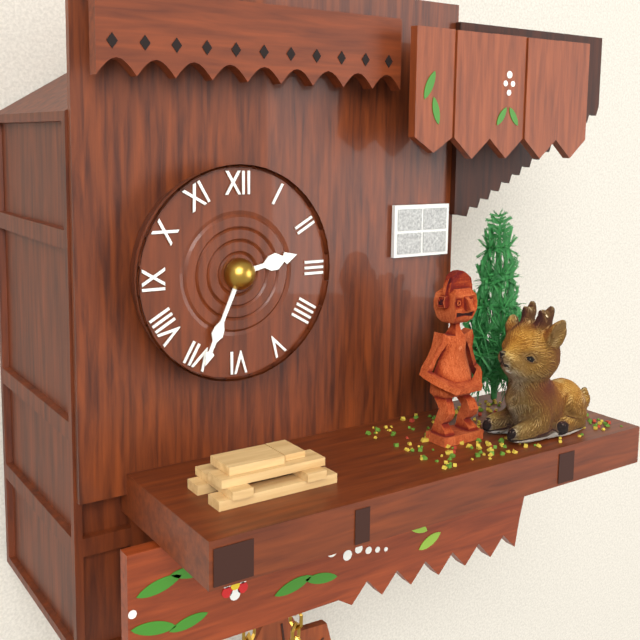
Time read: **2:34**
